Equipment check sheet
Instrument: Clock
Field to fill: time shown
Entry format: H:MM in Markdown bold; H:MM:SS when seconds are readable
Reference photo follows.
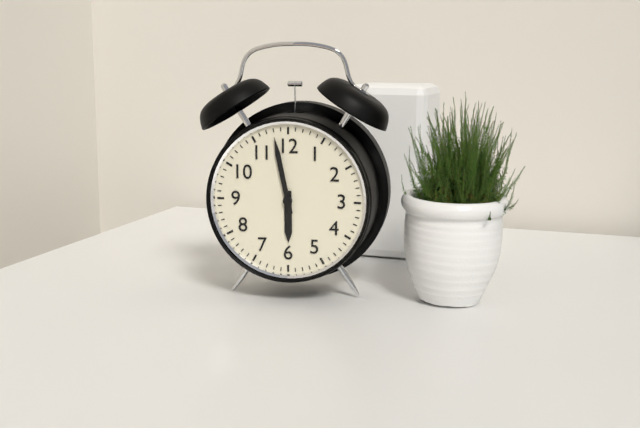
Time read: **5:58**
